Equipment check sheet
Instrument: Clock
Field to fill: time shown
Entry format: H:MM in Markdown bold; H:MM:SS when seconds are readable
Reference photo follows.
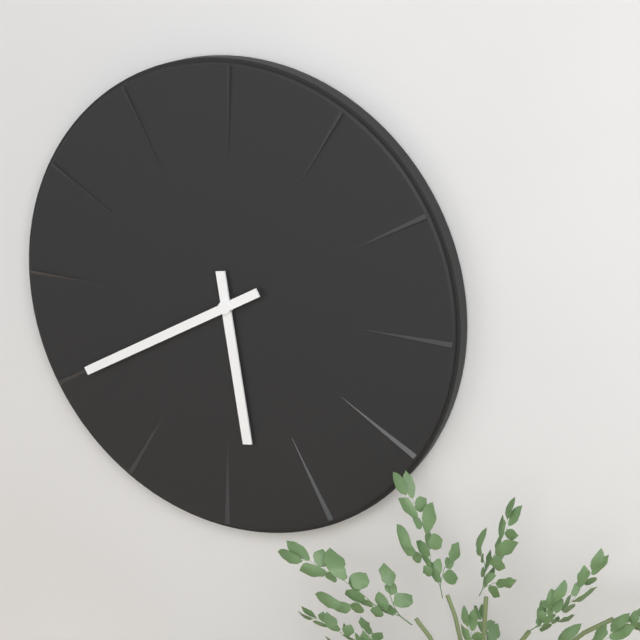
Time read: **5:40**
